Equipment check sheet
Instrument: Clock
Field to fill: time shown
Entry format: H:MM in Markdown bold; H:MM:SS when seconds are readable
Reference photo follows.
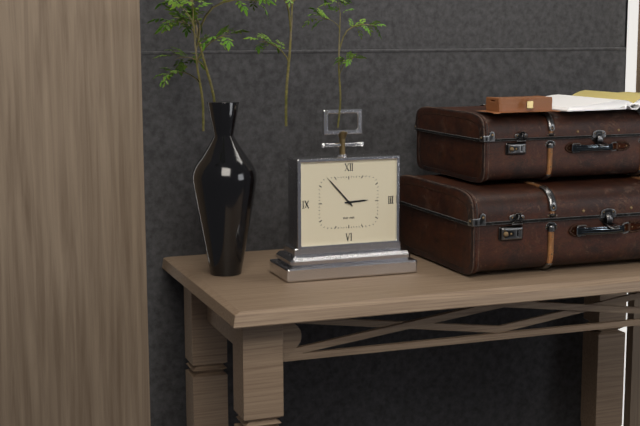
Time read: **2:53**
